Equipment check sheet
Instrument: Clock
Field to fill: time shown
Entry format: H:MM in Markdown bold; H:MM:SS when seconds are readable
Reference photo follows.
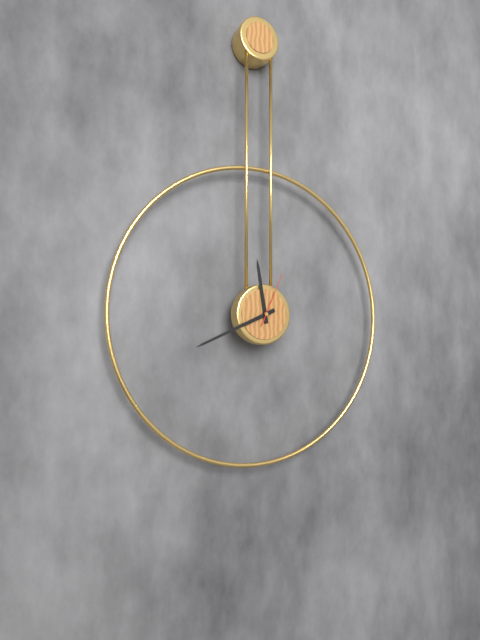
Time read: **11:41:04**
